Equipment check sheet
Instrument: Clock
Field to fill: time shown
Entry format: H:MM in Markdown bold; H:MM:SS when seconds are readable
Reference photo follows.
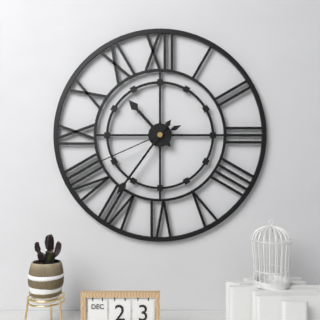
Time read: **10:36:41**
